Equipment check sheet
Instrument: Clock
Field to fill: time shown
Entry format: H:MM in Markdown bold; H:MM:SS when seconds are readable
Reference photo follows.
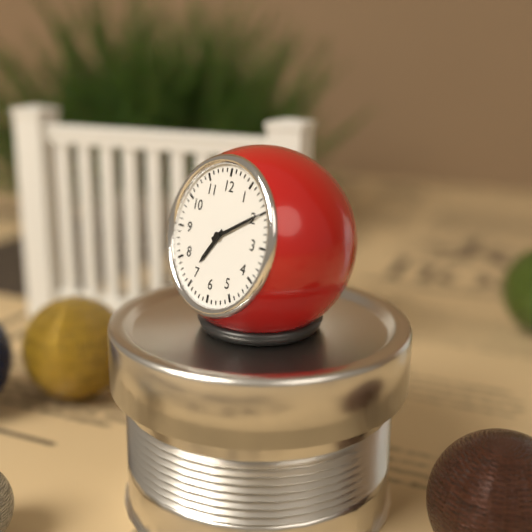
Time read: **7:10**
